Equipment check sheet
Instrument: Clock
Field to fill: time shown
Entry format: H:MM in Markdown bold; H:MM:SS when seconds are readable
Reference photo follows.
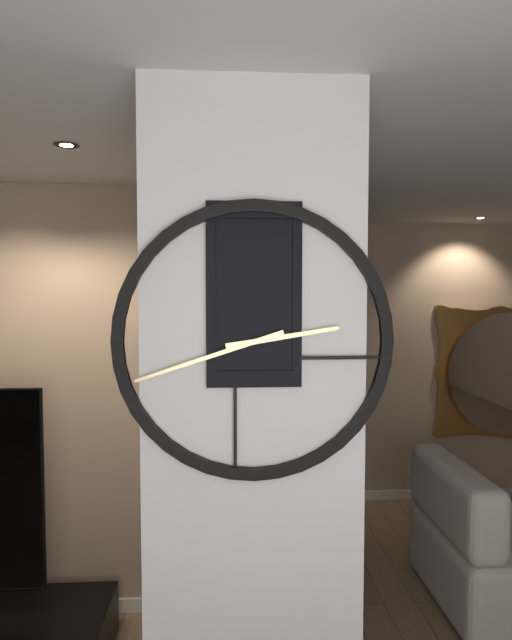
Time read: **2:42**
